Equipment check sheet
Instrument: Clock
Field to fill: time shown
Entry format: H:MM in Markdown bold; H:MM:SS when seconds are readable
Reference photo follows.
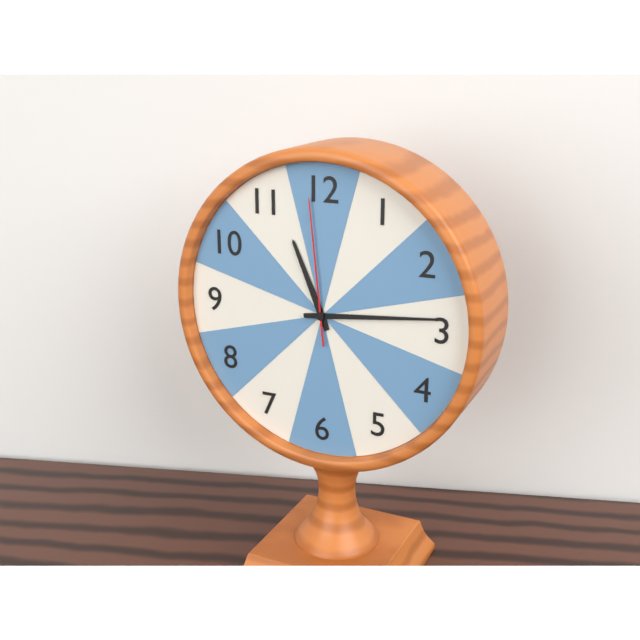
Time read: **11:14:59**
